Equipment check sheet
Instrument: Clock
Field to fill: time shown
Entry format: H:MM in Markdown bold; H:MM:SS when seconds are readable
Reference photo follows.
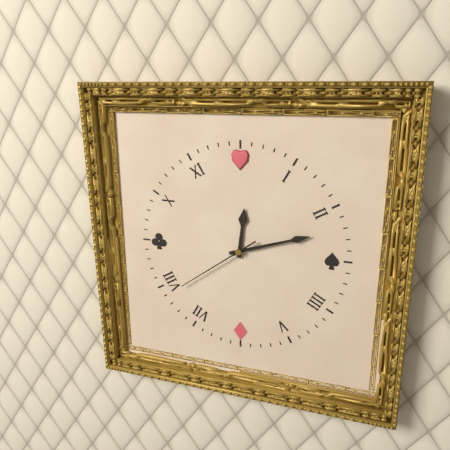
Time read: **12:12:39**
